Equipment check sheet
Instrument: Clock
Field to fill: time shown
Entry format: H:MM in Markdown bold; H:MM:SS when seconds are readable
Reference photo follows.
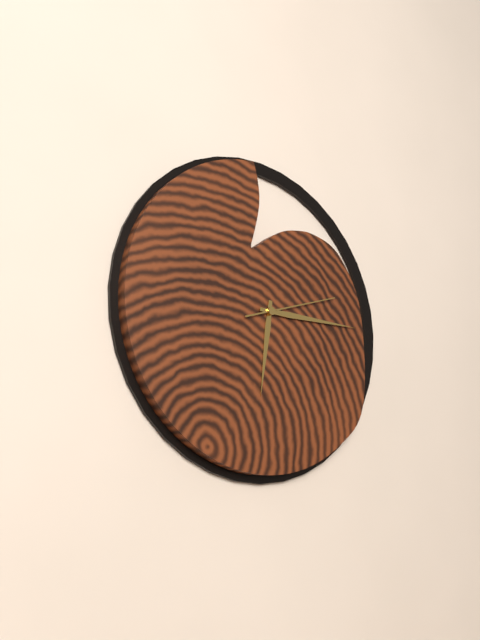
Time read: **6:15:12**
